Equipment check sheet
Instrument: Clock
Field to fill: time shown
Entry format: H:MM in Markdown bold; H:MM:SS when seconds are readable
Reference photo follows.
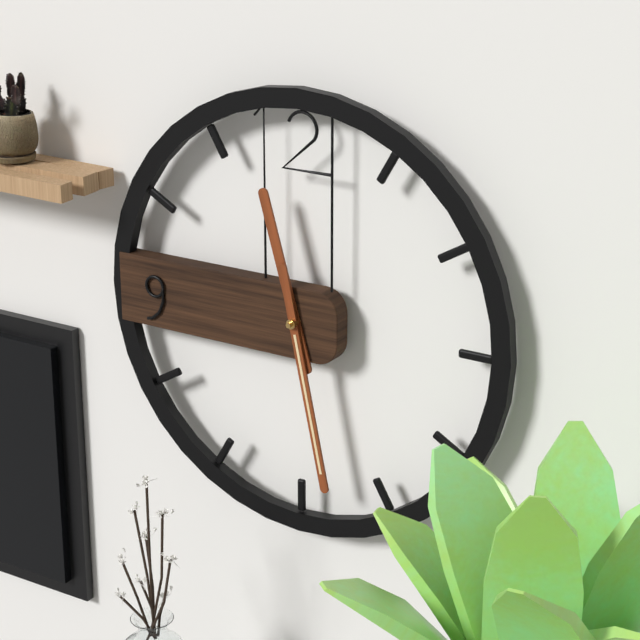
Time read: **11:28**
